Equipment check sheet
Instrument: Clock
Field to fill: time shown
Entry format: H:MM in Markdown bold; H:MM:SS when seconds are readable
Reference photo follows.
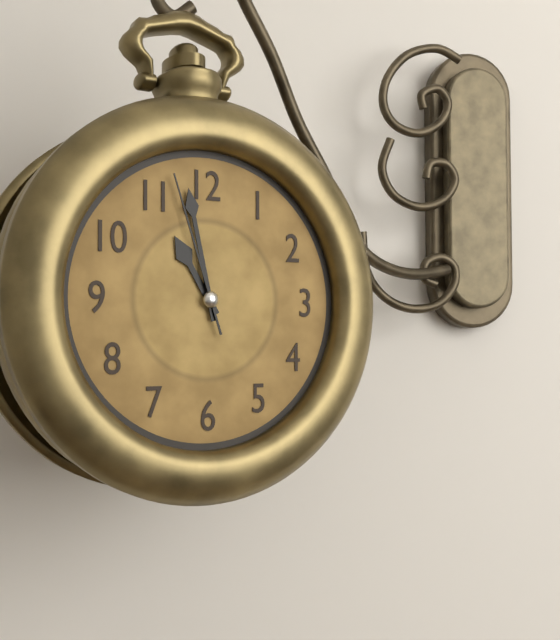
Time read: **10:58:57**
